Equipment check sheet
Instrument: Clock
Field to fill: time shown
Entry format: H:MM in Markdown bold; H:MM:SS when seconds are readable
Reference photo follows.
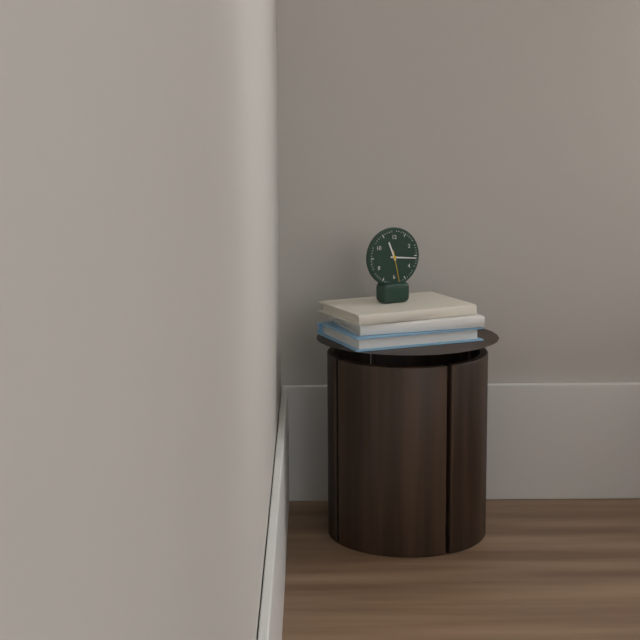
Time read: **11:16**
